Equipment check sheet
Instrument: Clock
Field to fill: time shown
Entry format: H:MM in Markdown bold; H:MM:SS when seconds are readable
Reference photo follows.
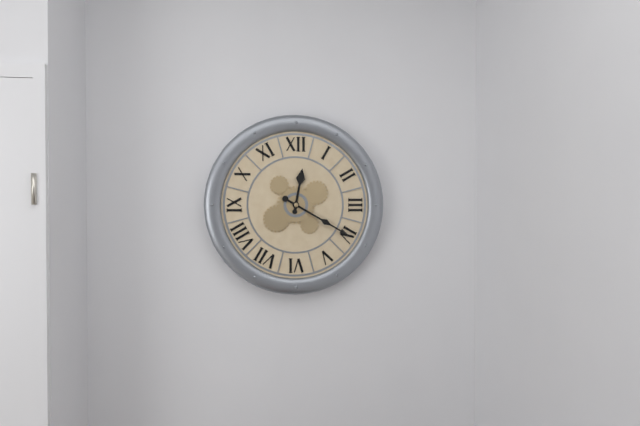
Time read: **12:20**
